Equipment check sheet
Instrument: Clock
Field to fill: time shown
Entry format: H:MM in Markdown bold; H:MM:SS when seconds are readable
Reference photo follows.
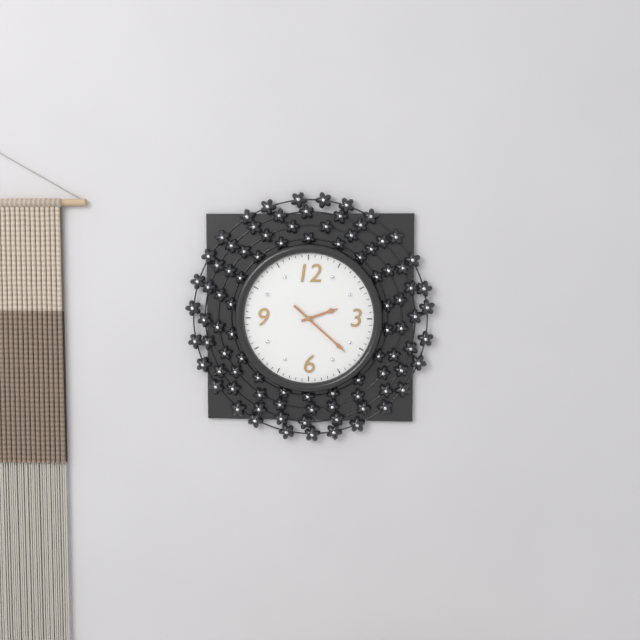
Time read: **2:22**
